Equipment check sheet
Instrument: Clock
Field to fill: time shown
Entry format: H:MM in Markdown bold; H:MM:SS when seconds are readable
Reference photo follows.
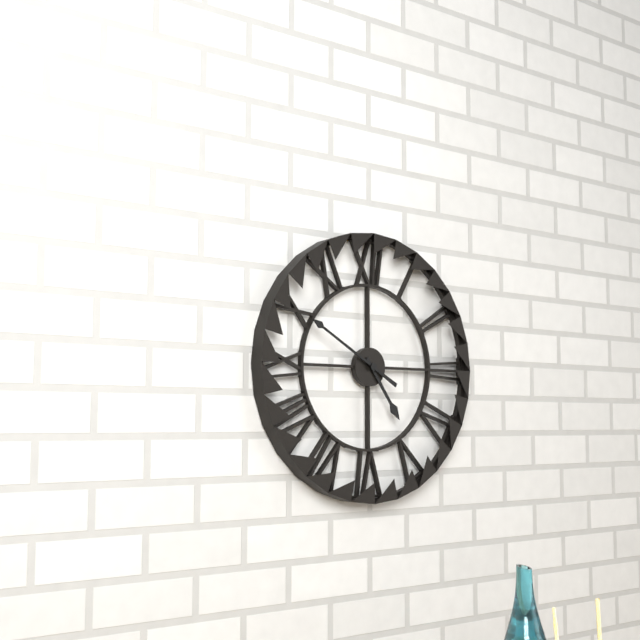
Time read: **4:50**
